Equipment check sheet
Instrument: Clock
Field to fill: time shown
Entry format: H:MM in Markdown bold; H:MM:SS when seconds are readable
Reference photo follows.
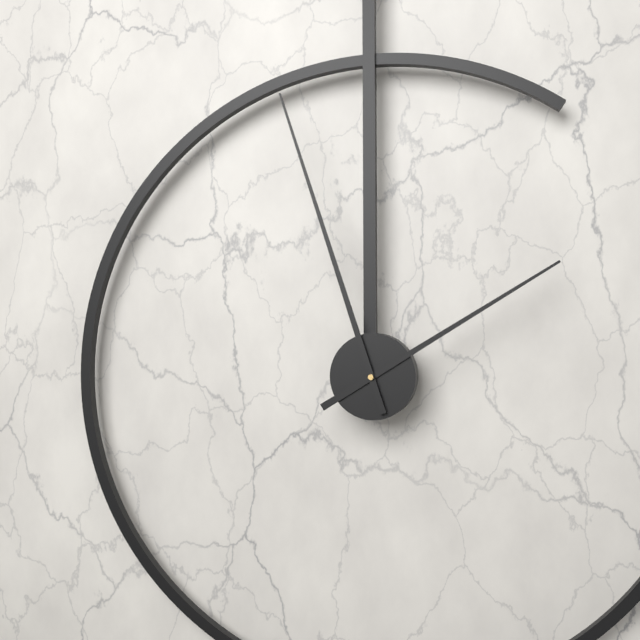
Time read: **1:57**
